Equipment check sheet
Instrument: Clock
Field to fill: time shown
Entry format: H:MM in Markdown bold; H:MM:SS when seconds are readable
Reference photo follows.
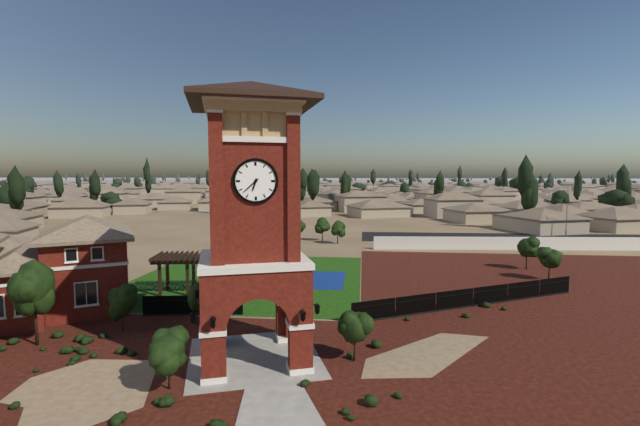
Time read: **6:38**
